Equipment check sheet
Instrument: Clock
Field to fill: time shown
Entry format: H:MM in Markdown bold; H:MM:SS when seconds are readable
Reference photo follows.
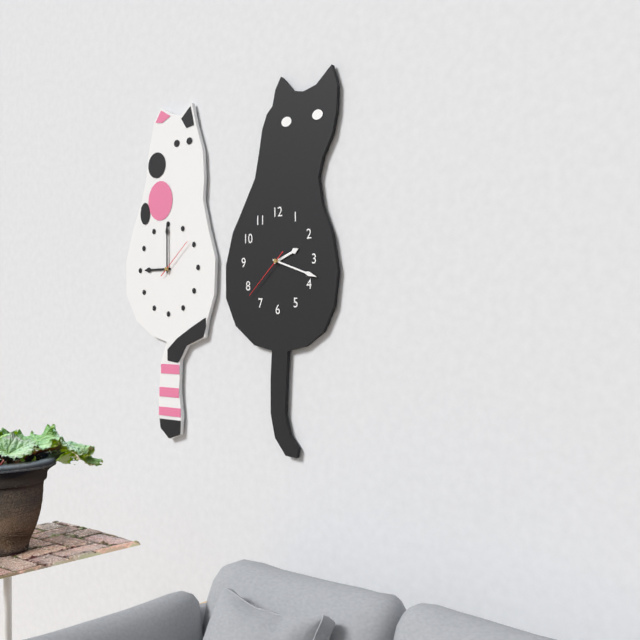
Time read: **2:18:38**
